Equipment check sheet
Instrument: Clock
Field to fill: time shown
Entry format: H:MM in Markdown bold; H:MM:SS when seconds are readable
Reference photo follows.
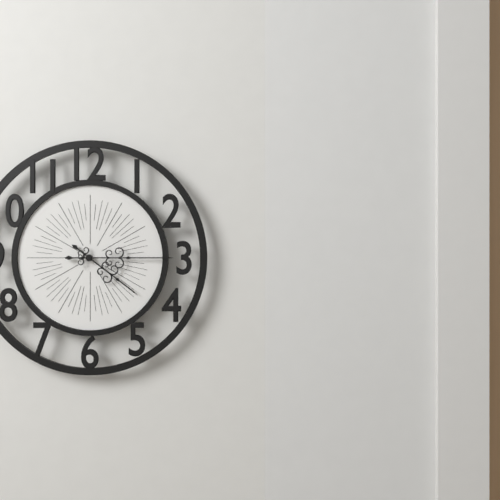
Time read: **4:15**
